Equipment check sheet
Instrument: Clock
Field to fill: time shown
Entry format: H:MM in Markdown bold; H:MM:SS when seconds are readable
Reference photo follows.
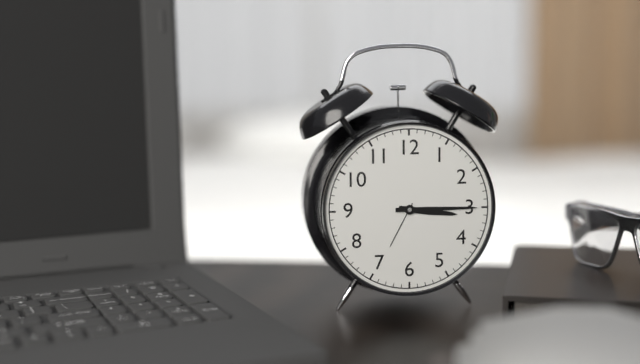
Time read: **3:15**
